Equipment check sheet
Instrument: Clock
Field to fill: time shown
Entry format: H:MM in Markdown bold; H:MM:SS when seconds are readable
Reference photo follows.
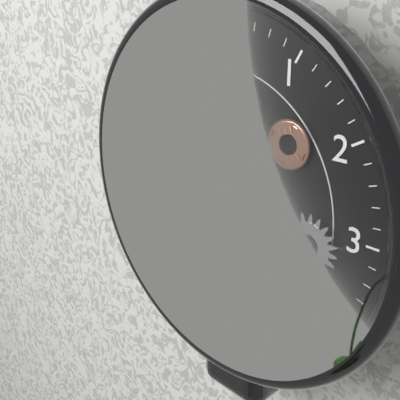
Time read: **7:55**
